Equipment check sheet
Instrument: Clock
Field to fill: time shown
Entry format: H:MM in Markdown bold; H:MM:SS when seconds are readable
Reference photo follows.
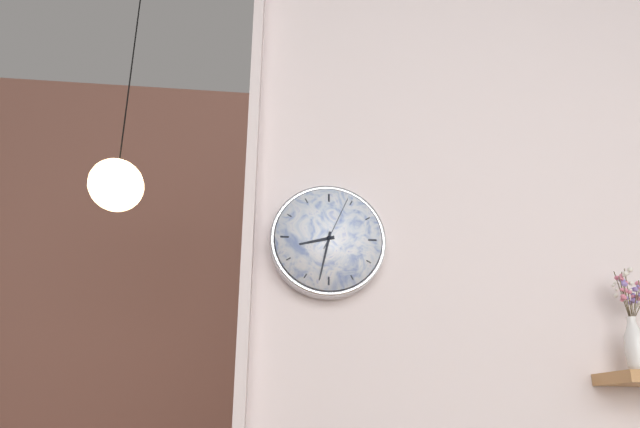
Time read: **8:32:04**
